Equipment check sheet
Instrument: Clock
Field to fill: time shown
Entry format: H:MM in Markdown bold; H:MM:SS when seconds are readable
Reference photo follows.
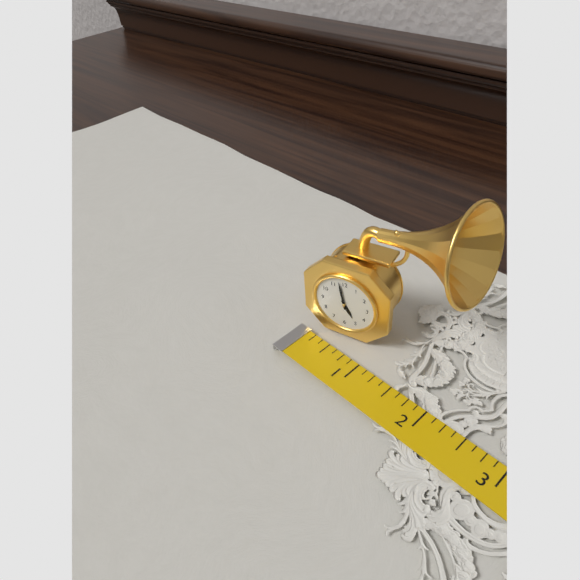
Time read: **4:58**
